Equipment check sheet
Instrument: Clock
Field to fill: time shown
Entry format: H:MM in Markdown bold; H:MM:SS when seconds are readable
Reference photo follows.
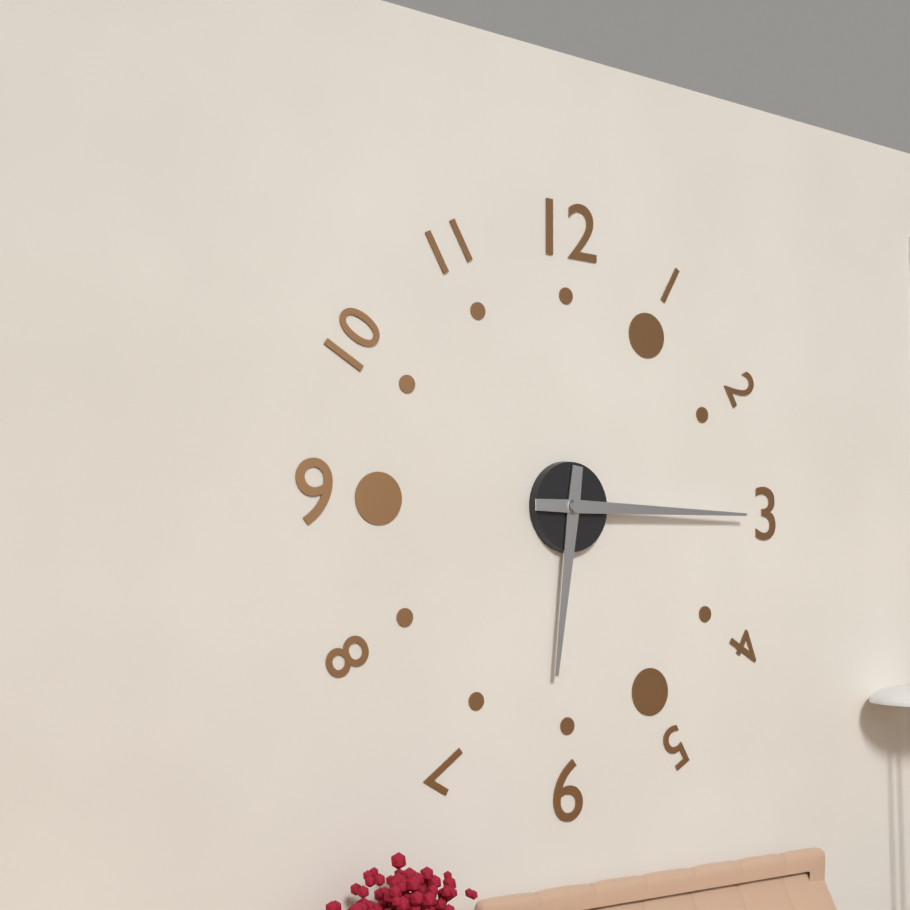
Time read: **6:15**
